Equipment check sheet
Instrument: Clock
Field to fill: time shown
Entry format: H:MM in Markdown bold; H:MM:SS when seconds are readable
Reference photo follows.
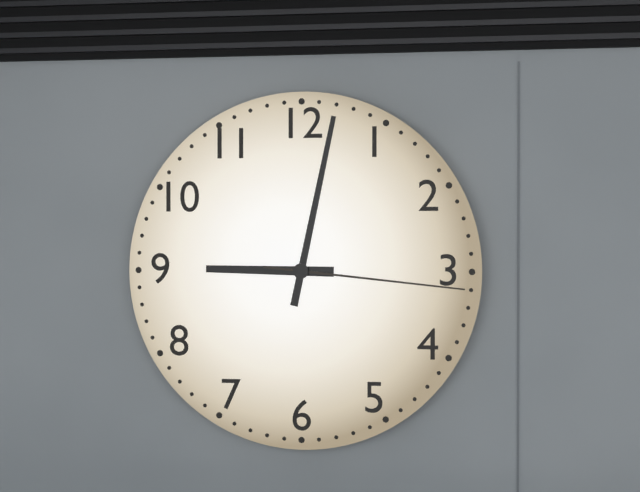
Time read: **9:02:16**
